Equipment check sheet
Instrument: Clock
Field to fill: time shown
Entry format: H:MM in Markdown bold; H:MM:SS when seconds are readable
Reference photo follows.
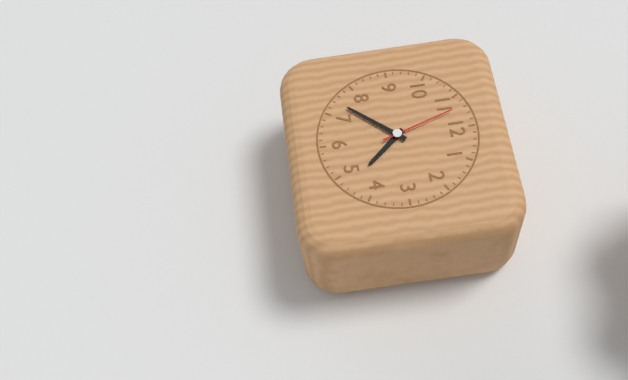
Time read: **4:37:57**
